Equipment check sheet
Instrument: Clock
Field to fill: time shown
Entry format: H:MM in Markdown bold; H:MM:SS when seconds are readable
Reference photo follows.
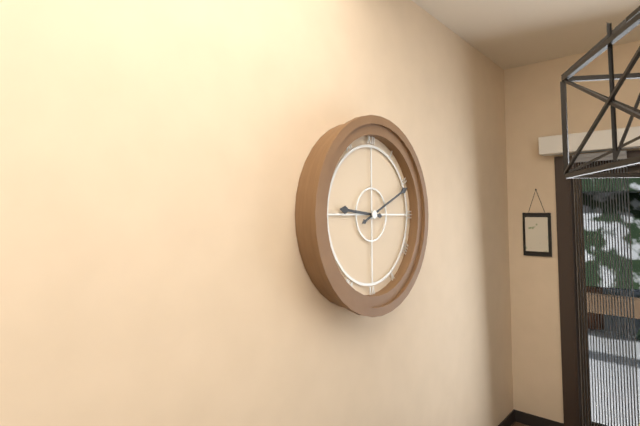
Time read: **9:11**
